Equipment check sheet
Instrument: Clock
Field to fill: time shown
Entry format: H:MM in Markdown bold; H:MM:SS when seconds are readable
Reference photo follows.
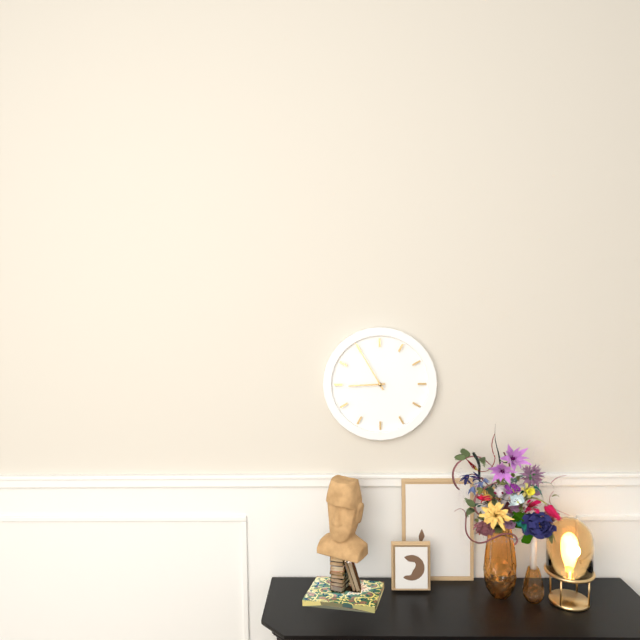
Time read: **8:55**
